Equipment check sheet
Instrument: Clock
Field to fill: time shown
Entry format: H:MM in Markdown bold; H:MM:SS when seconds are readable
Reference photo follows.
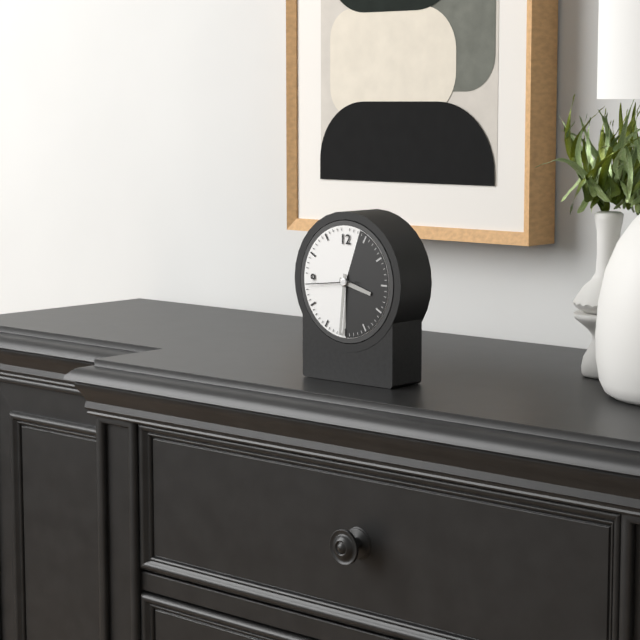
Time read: **3:31**
